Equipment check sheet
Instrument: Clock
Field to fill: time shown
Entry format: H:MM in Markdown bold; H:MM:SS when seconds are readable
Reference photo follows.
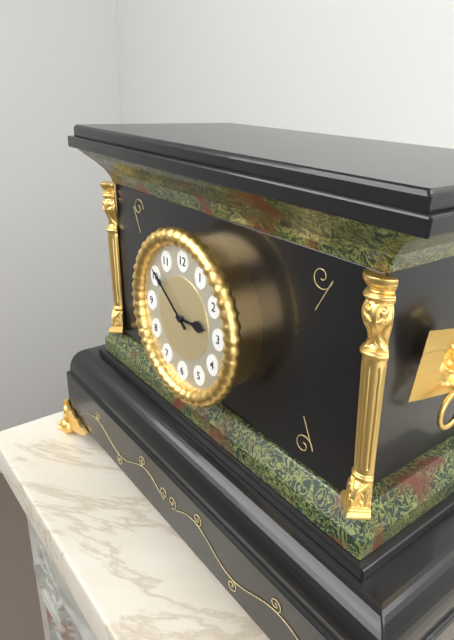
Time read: **2:51**
